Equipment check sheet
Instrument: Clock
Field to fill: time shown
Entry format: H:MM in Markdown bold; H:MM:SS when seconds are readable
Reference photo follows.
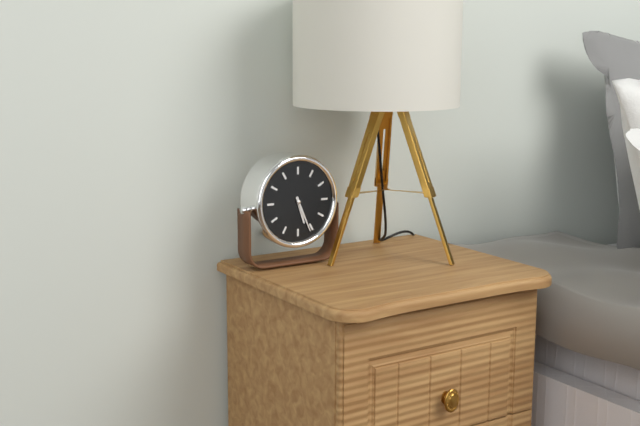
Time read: **5:26**
